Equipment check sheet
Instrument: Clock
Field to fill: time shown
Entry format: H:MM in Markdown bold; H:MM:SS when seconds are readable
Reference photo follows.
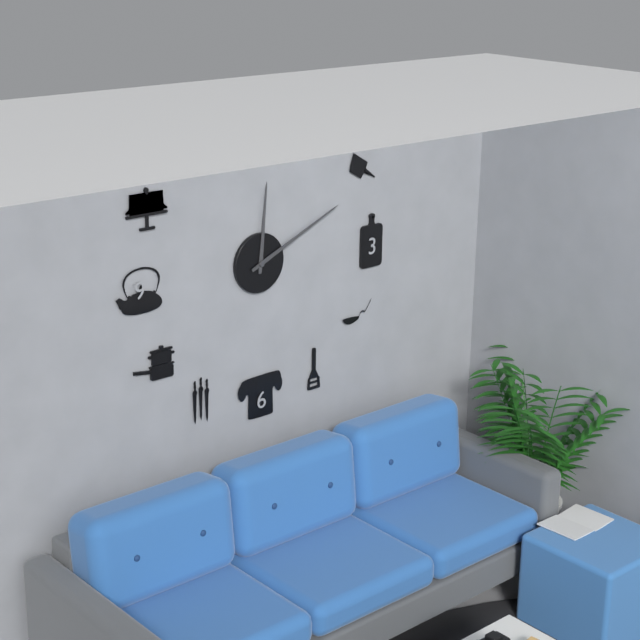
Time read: **12:11**
